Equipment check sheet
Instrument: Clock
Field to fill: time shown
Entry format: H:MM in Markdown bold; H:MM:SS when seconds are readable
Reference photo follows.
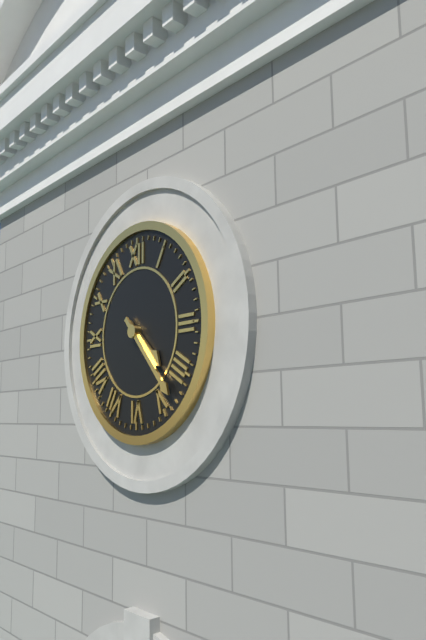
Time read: **4:23**
